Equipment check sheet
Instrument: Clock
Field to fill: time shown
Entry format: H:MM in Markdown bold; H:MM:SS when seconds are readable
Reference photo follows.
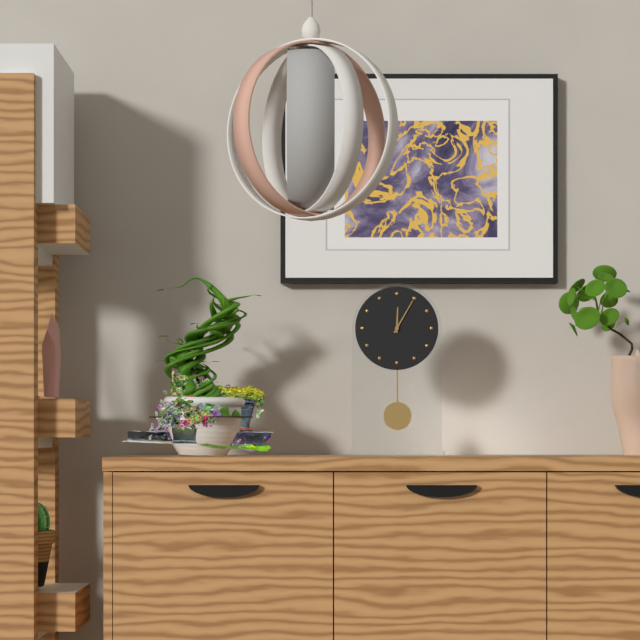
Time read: **12:05**
